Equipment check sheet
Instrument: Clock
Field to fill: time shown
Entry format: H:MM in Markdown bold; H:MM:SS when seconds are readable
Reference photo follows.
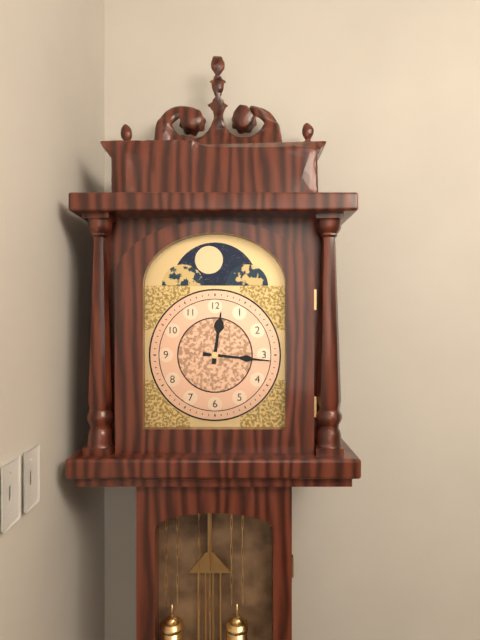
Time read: **12:16**
